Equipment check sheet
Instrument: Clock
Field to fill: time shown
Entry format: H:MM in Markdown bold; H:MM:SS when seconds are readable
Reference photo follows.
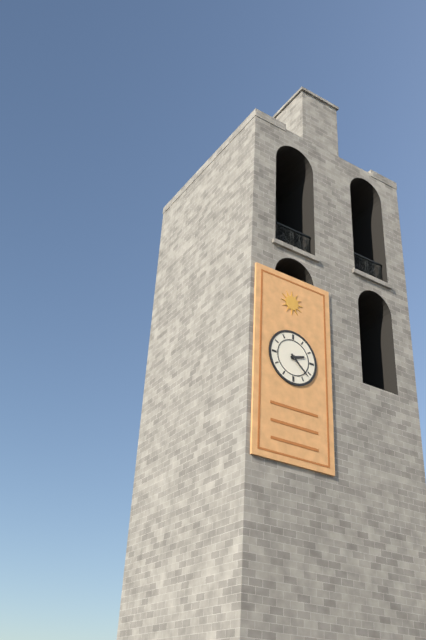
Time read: **2:22**
